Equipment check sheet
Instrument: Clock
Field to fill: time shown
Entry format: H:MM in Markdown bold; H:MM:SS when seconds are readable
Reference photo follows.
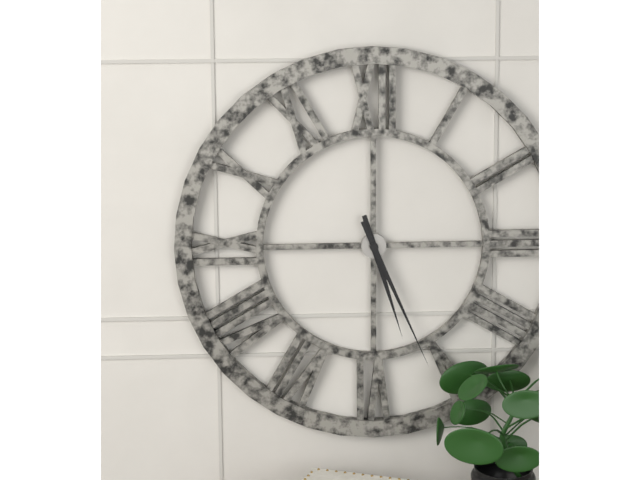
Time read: **5:26**
